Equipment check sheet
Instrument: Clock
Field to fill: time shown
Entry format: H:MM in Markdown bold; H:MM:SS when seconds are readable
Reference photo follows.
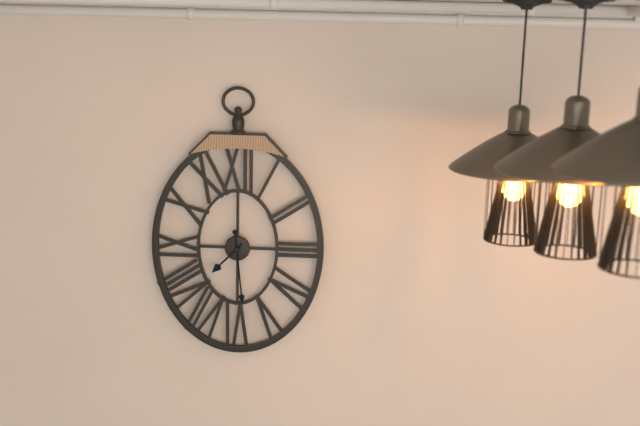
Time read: **7:29**
